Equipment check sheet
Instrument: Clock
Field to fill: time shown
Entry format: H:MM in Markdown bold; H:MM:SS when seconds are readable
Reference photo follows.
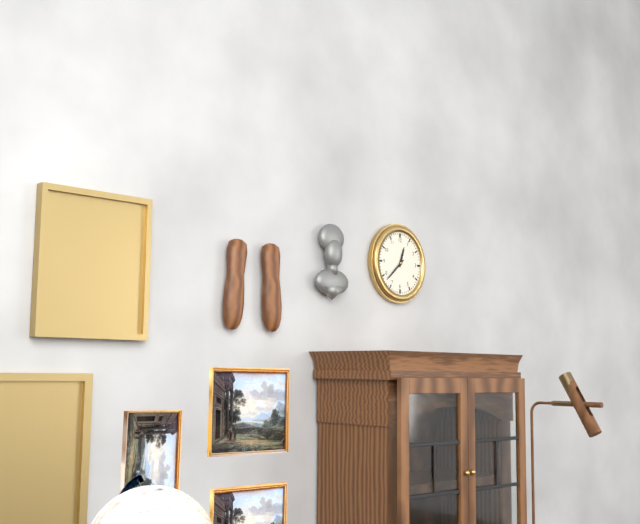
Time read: **12:38**
